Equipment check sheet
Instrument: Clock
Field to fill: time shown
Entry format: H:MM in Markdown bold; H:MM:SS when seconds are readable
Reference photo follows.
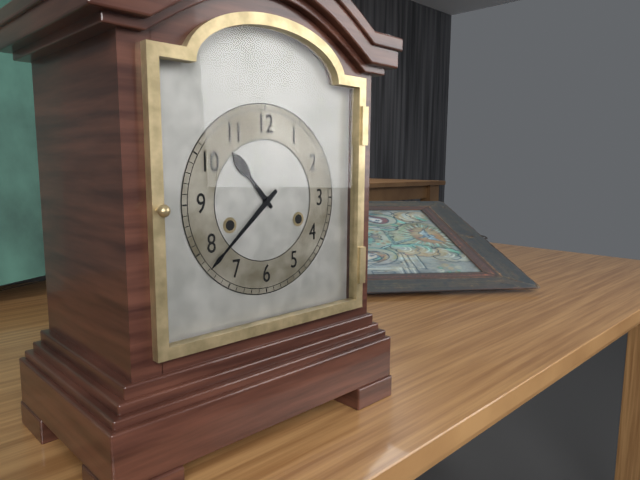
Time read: **10:38**
